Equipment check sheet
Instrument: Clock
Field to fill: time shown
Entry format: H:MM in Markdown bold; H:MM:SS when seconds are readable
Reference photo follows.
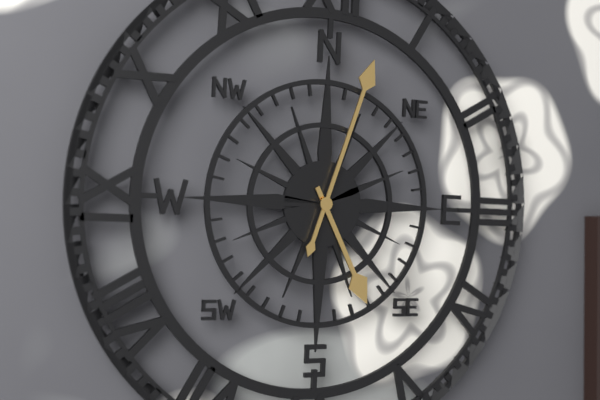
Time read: **5:03**
